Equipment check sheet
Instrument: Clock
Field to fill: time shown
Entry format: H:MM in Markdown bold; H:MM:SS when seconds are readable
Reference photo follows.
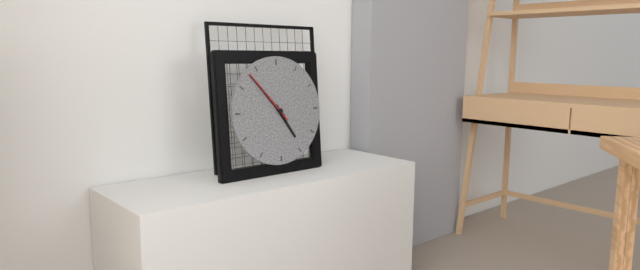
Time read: **4:53:53**
